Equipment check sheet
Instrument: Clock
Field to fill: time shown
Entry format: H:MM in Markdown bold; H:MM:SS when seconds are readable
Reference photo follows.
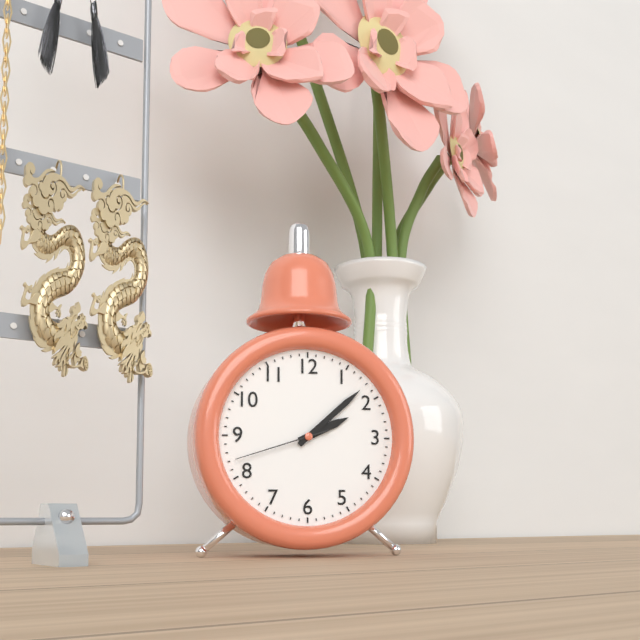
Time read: **2:08:42**
